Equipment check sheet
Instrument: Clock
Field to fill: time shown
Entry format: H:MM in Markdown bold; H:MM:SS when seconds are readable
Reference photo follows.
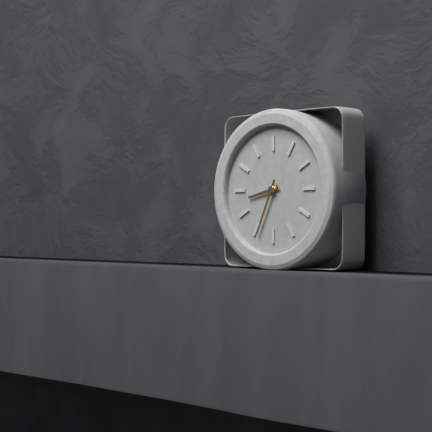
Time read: **8:34**
